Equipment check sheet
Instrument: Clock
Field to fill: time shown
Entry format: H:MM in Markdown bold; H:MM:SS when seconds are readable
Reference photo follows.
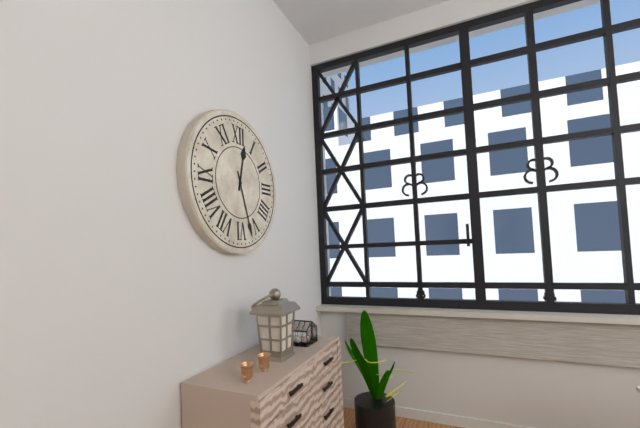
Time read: **12:27**
